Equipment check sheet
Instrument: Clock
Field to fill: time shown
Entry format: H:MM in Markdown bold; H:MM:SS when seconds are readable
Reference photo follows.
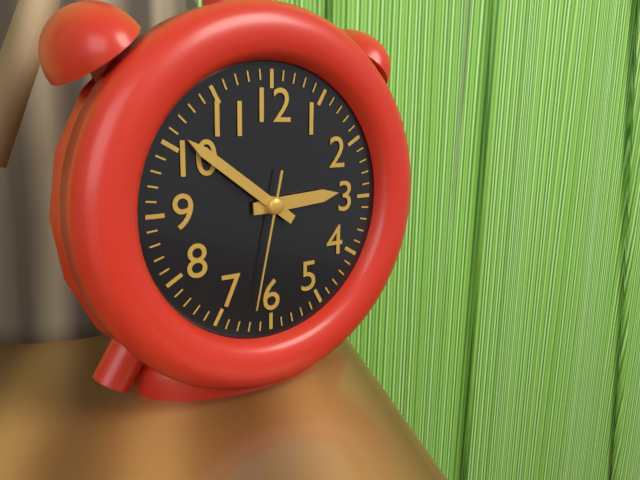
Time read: **2:51:32**
